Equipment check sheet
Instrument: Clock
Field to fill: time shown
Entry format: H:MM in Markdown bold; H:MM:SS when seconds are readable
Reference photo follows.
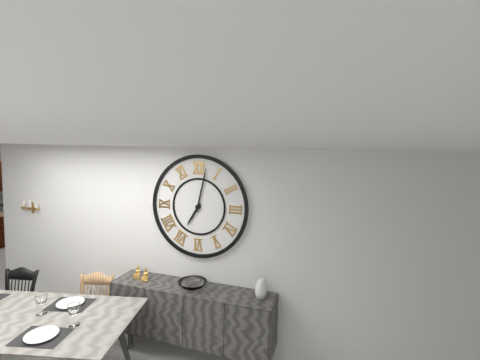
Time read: **7:02**
